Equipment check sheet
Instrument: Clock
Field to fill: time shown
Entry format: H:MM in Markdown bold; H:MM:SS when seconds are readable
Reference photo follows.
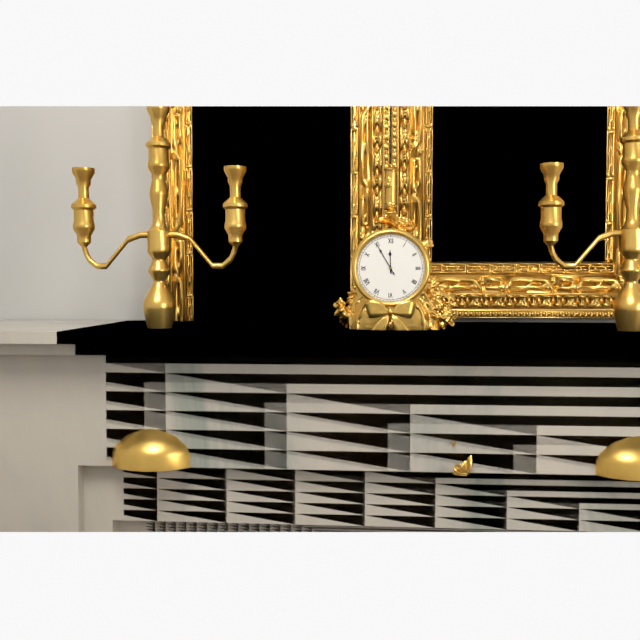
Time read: **11:55**
